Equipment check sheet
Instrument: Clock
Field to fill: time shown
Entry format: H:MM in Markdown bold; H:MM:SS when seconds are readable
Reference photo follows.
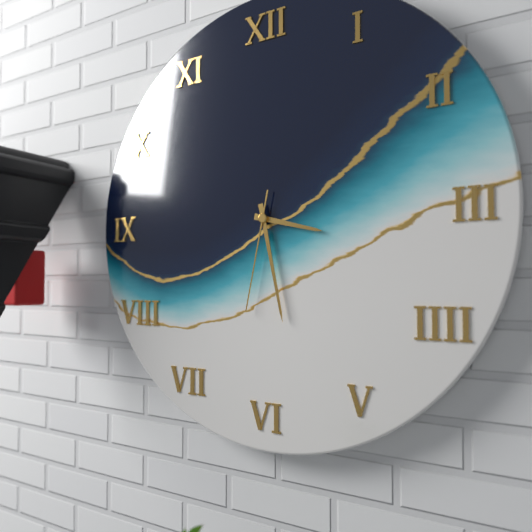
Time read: **3:28:32**
